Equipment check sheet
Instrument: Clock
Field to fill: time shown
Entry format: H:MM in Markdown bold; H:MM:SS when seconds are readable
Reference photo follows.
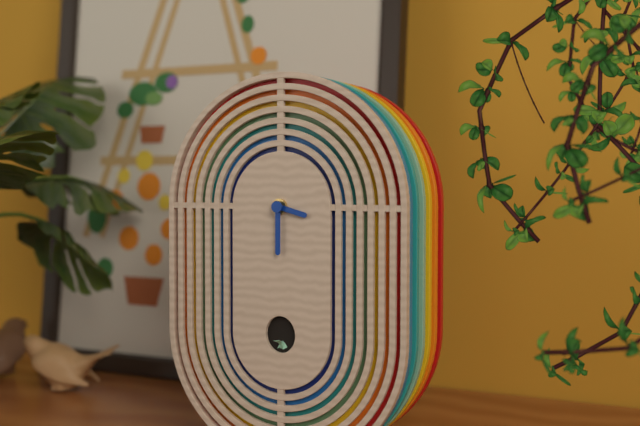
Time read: **3:30**
